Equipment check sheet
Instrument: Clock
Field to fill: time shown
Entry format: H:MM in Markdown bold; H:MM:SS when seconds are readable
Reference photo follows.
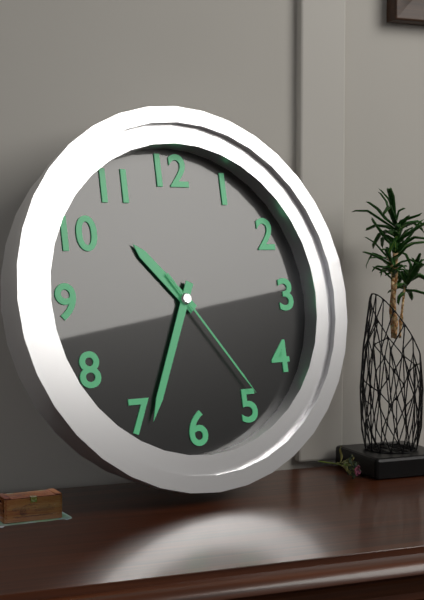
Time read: **10:34:24**
